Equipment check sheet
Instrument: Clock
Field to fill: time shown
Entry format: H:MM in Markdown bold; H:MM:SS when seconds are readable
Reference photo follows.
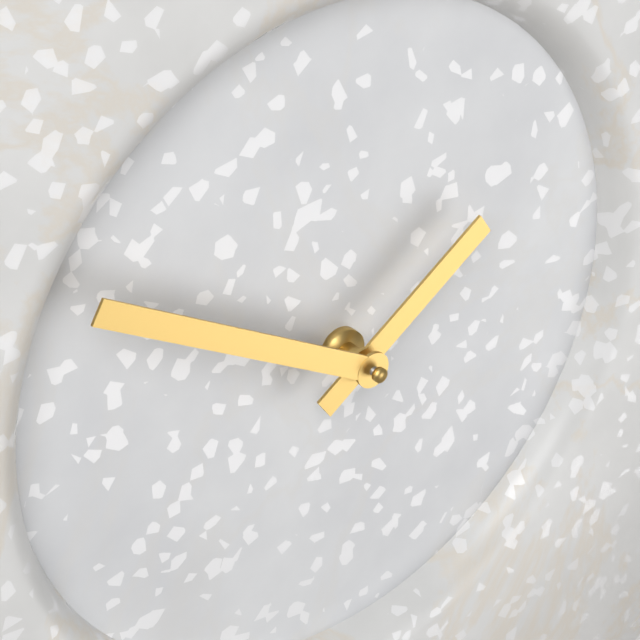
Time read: **1:50**
